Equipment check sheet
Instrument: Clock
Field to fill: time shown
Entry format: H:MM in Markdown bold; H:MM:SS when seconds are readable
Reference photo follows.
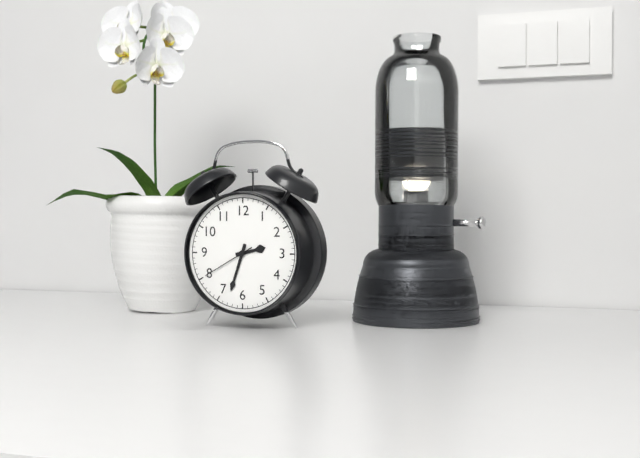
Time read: **2:33:40**
